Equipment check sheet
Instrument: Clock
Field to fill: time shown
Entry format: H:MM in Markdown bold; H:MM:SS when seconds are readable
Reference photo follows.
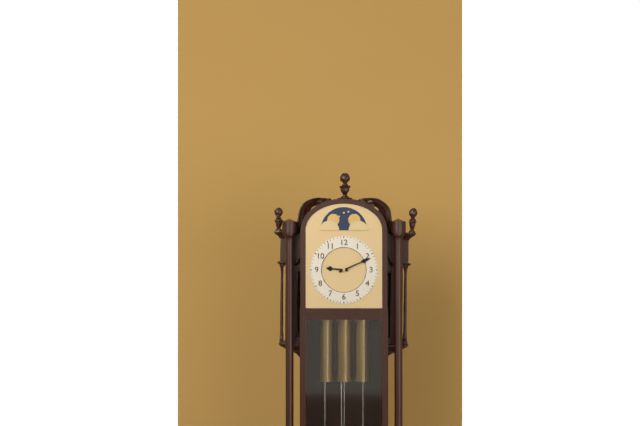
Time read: **9:11**
